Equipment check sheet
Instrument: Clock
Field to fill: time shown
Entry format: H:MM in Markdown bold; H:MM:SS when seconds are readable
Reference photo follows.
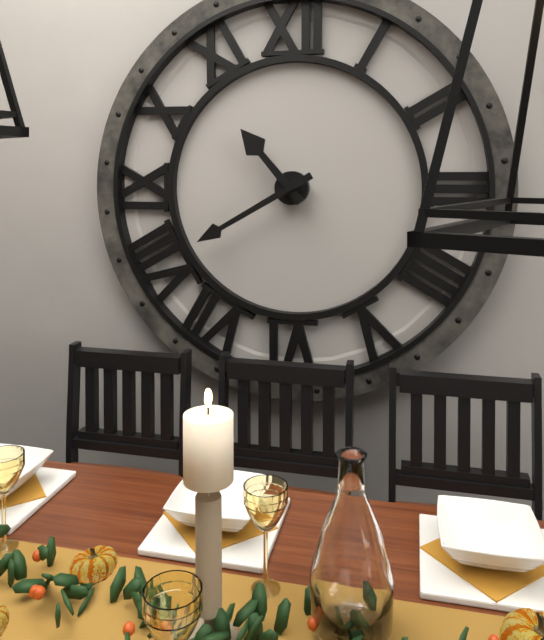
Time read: **10:40**
